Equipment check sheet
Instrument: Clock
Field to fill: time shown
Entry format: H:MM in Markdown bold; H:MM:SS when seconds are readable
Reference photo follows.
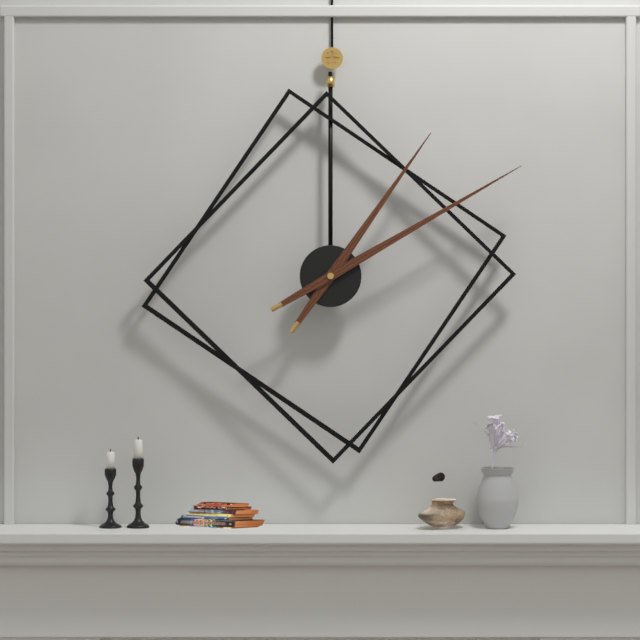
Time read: **1:10**
